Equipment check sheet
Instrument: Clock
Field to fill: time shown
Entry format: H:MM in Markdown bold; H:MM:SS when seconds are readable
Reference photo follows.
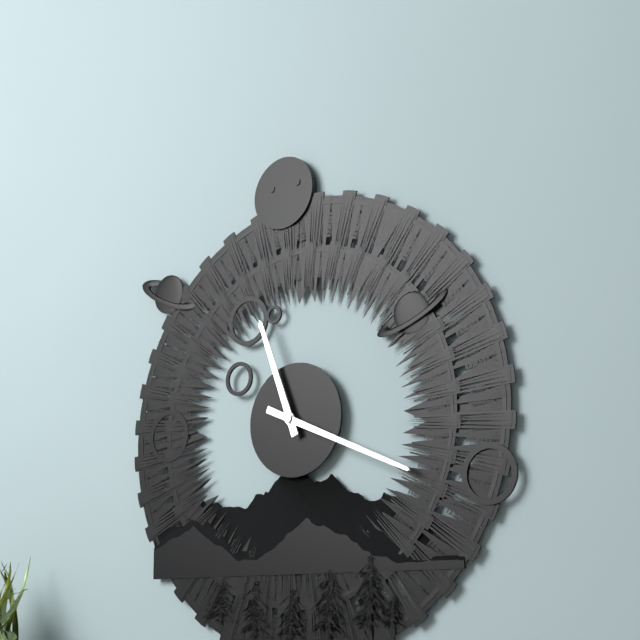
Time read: **11:19**
